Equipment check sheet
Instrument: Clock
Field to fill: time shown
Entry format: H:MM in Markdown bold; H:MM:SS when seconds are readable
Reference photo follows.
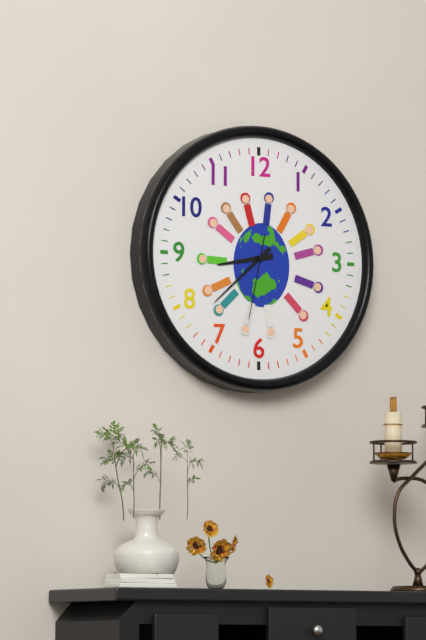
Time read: **8:38:32**
